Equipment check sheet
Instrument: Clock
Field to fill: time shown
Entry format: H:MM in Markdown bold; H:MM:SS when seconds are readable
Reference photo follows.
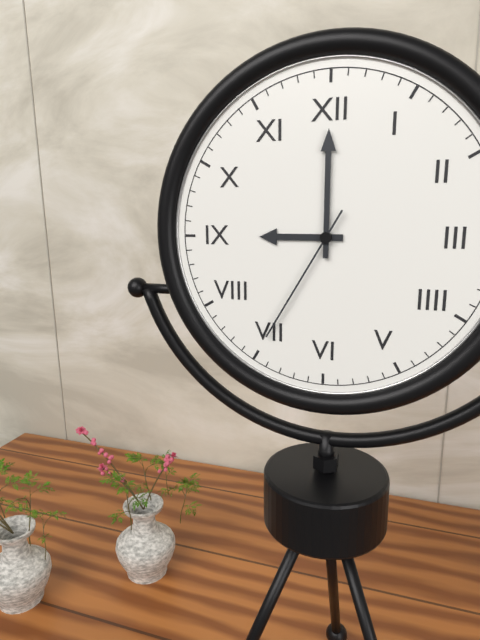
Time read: **9:00:35**
